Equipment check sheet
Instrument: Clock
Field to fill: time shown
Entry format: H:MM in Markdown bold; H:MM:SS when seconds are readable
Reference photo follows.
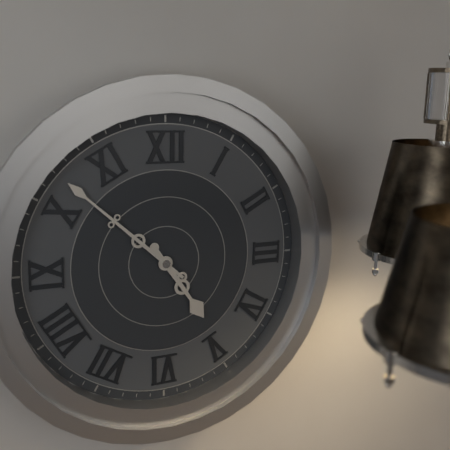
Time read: **4:52**
